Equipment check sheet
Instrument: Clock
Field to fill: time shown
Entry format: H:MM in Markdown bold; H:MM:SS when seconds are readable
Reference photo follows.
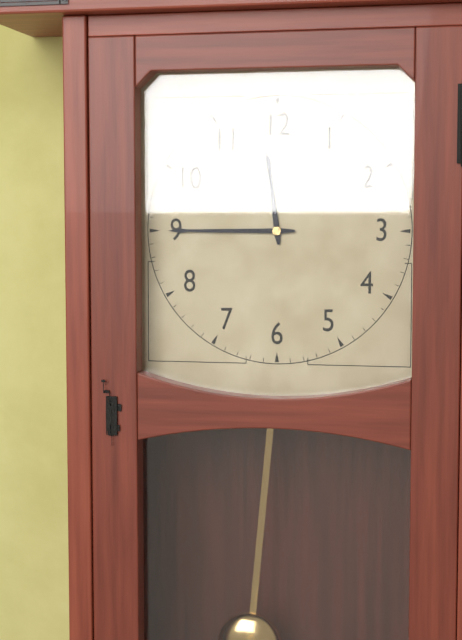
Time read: **11:45**
